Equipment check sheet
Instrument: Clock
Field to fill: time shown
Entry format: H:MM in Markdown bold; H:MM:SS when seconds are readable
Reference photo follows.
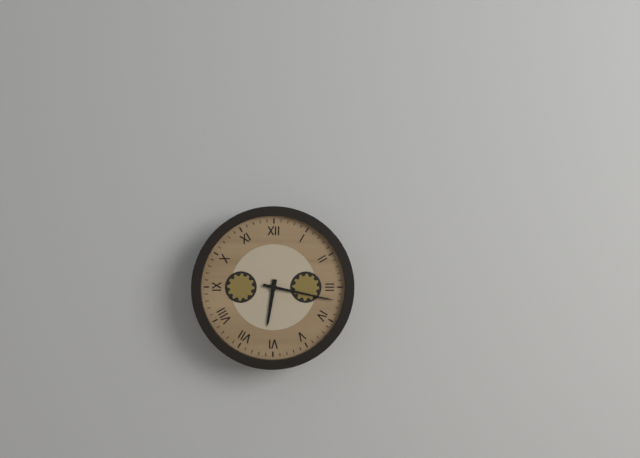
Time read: **6:17**
